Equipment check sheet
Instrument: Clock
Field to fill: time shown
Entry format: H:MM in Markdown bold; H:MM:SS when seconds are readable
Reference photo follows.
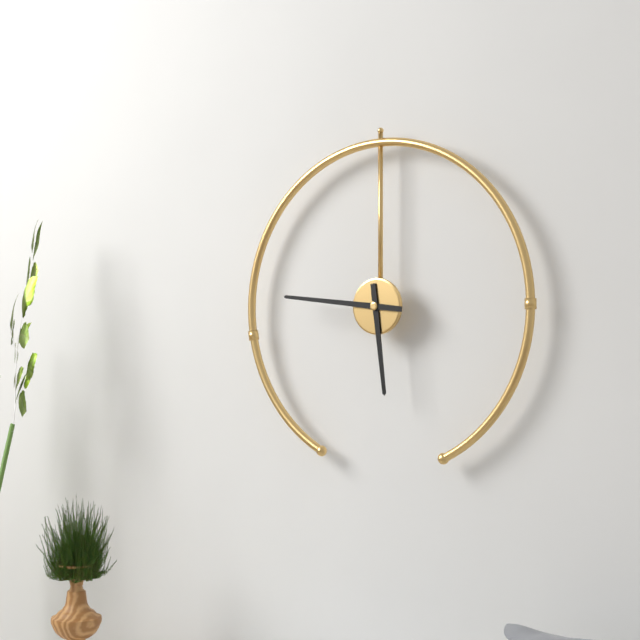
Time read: **5:46**
